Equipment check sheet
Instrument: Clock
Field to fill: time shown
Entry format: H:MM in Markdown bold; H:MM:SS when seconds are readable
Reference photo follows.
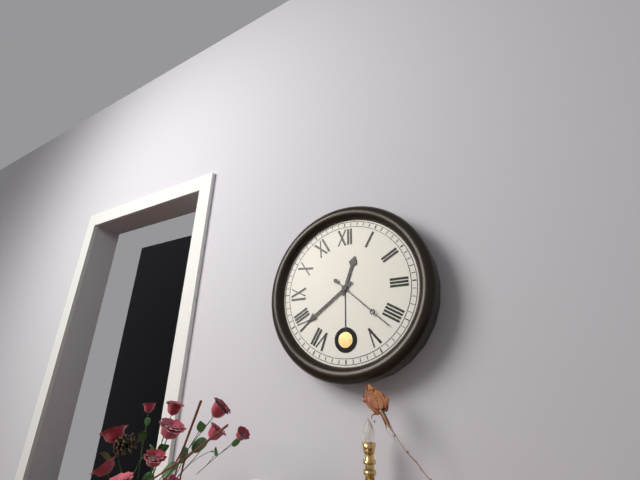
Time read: **12:39:22**
